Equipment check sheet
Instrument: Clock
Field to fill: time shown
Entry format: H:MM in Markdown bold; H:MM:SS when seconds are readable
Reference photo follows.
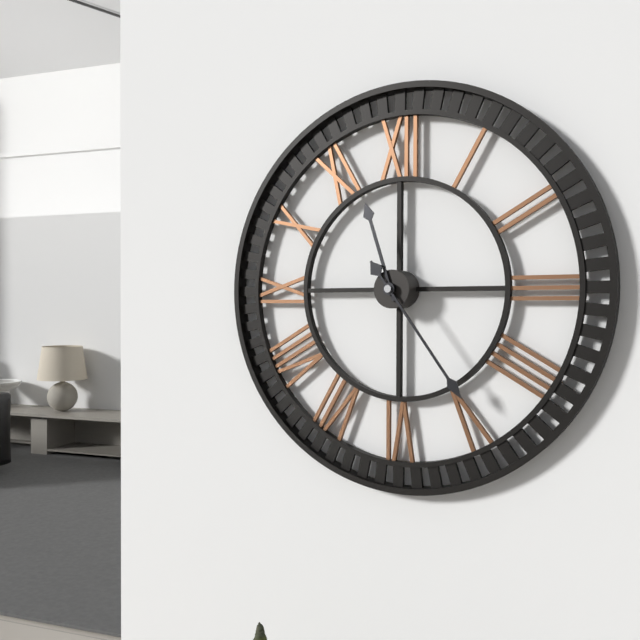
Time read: **11:24**
